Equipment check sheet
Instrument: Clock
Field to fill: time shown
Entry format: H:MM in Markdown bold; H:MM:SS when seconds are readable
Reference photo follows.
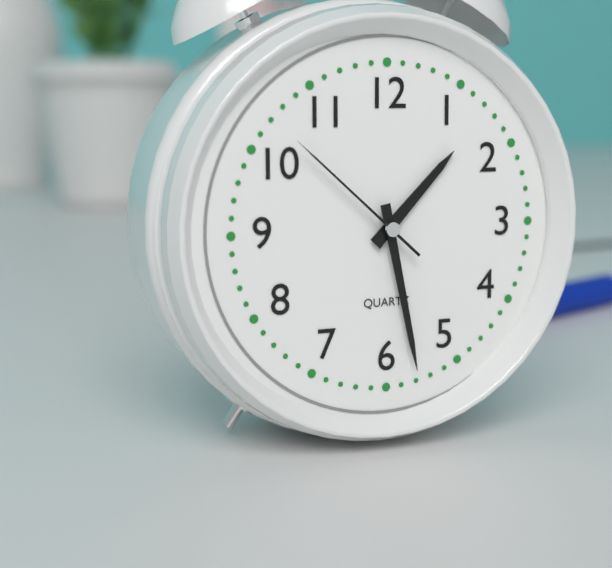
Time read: **1:28:52**
